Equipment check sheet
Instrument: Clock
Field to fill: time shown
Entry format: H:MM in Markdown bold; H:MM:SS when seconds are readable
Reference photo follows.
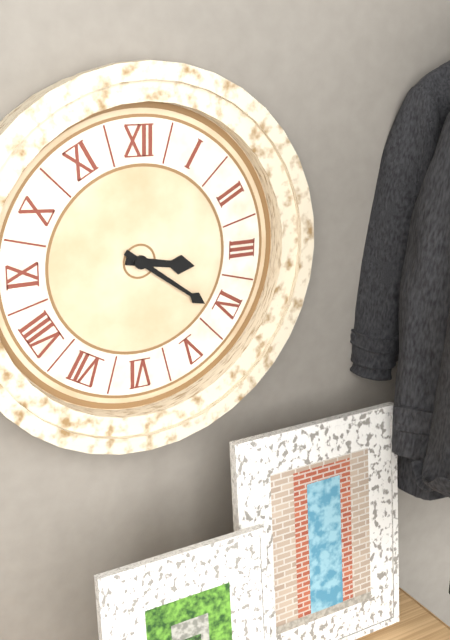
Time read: **3:21**
